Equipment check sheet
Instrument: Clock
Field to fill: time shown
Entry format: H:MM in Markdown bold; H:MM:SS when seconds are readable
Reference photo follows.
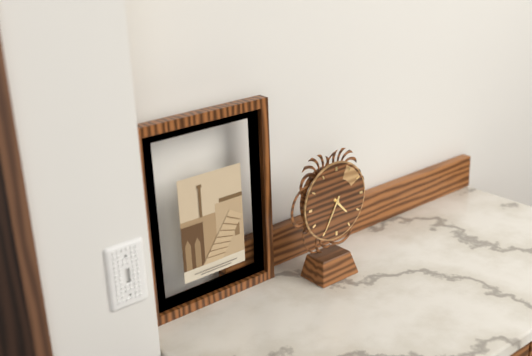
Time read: **4:35**
